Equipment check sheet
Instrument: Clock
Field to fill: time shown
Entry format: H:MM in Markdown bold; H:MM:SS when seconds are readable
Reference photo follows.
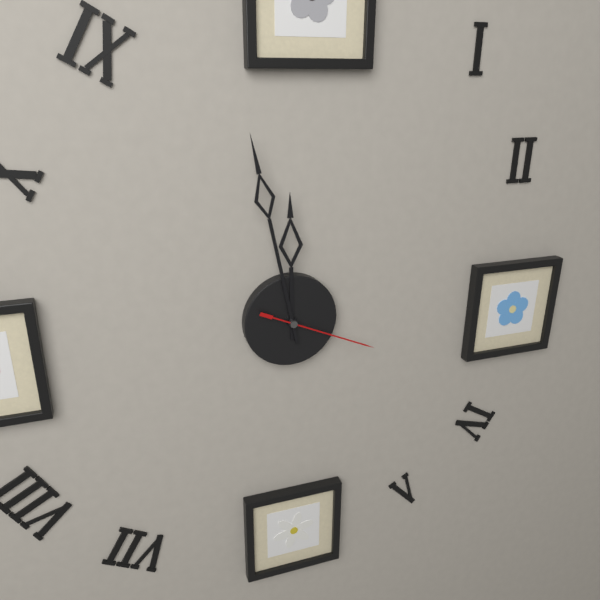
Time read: **11:58:19**
